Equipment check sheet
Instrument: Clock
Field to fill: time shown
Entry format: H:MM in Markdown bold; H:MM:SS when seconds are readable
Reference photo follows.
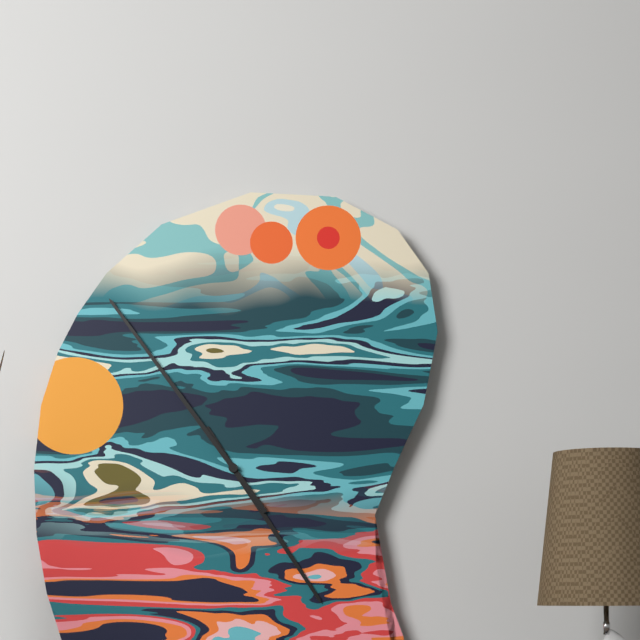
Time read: **4:54**
